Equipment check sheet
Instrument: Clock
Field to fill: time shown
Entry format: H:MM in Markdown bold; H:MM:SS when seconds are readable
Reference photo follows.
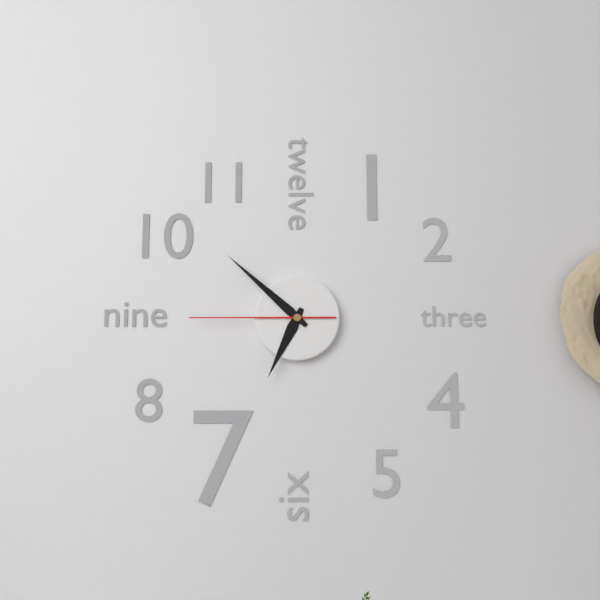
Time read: **6:52:45**
